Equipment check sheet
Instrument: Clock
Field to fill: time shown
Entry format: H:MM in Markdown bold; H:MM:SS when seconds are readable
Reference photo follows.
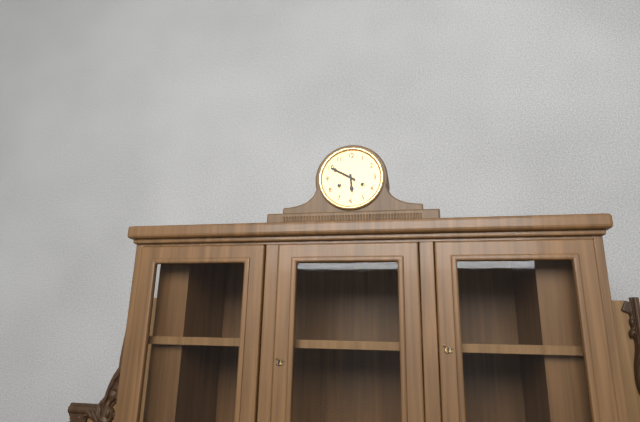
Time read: **5:50**
